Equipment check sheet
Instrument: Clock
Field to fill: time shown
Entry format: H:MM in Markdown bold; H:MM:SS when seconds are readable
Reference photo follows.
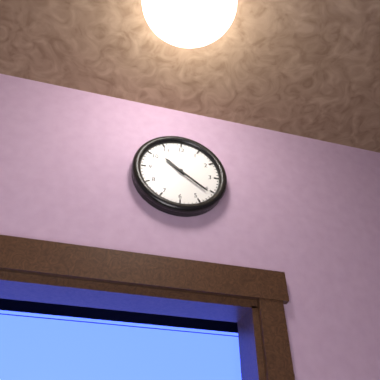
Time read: **10:21**
